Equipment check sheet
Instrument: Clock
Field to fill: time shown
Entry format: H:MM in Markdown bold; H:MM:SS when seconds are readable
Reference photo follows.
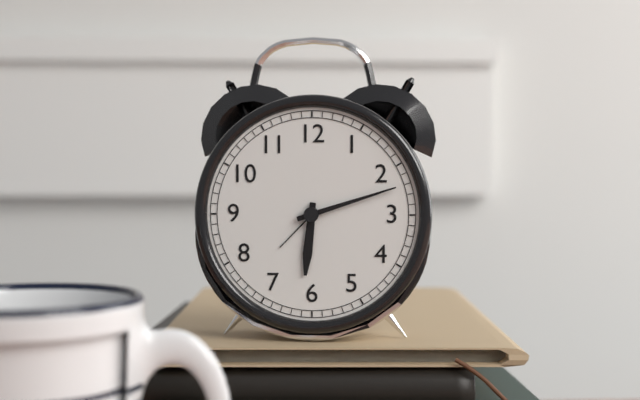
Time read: **6:12**
